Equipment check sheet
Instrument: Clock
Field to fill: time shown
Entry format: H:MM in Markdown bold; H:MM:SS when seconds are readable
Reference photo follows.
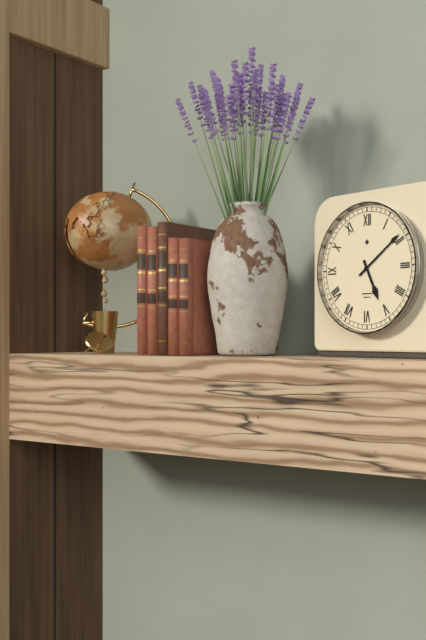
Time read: **5:09**
